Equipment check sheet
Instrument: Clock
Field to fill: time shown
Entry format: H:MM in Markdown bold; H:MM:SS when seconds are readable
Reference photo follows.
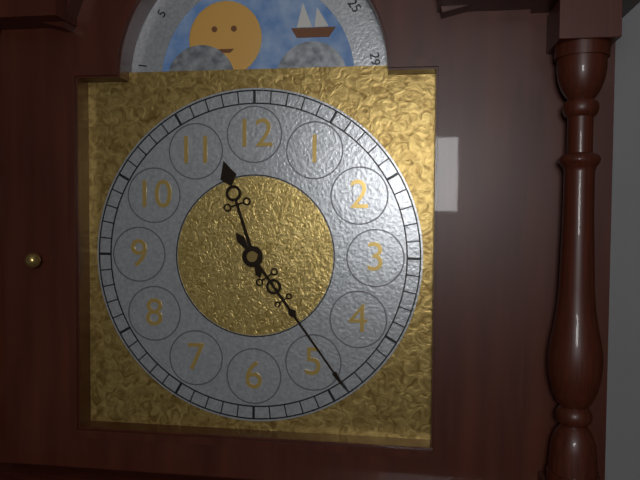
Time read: **11:24**
